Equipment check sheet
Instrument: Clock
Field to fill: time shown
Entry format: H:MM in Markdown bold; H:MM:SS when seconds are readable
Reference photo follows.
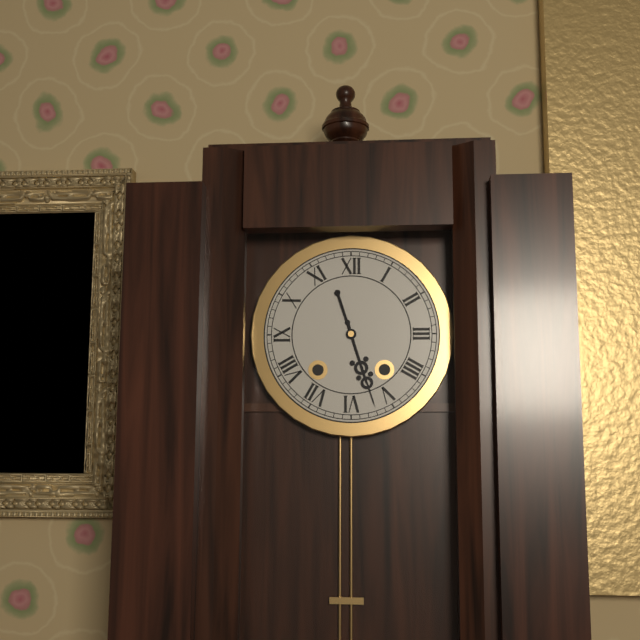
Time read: **5:27**
